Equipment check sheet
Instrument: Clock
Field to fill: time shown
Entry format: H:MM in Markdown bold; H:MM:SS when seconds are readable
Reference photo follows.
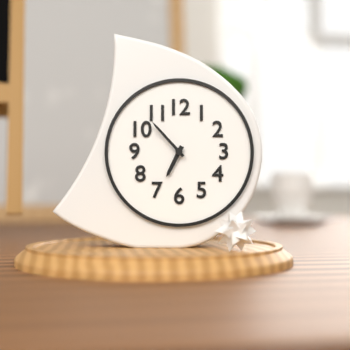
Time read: **6:53**
